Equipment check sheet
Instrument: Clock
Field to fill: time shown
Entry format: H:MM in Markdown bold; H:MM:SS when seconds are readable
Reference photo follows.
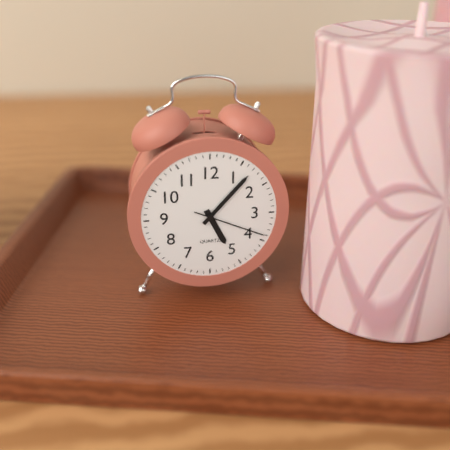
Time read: **5:07:19**
